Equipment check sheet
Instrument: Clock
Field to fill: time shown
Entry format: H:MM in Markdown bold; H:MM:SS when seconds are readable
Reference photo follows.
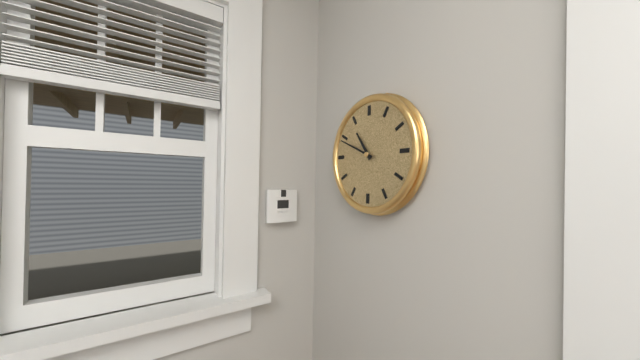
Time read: **10:49**
